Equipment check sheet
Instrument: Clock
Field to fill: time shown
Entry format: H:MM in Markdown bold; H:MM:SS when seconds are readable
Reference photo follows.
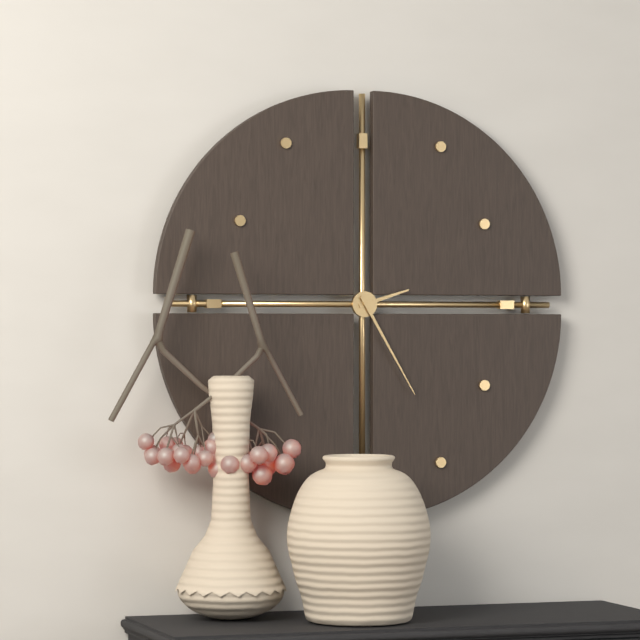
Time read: **2:25**
